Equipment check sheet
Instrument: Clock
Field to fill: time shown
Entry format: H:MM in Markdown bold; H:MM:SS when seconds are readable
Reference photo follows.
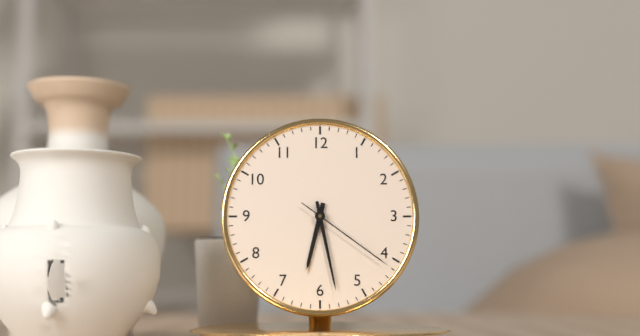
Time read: **6:28:21**
